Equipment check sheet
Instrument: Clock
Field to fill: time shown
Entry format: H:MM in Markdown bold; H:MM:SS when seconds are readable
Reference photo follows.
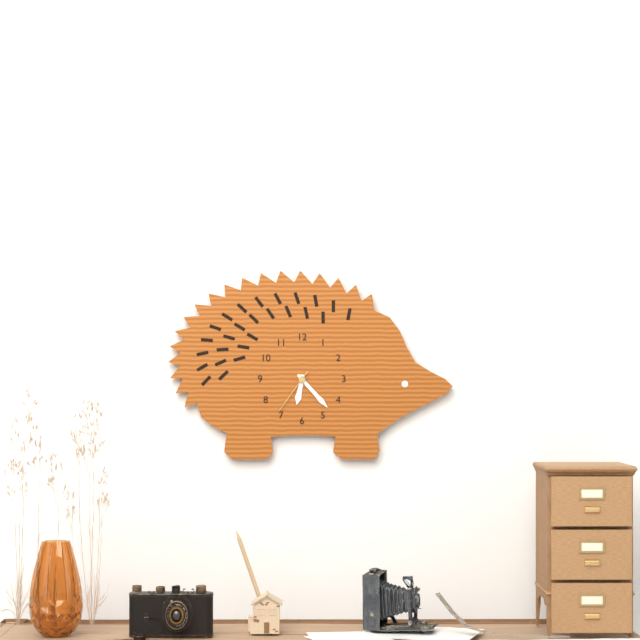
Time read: **6:23:36**
